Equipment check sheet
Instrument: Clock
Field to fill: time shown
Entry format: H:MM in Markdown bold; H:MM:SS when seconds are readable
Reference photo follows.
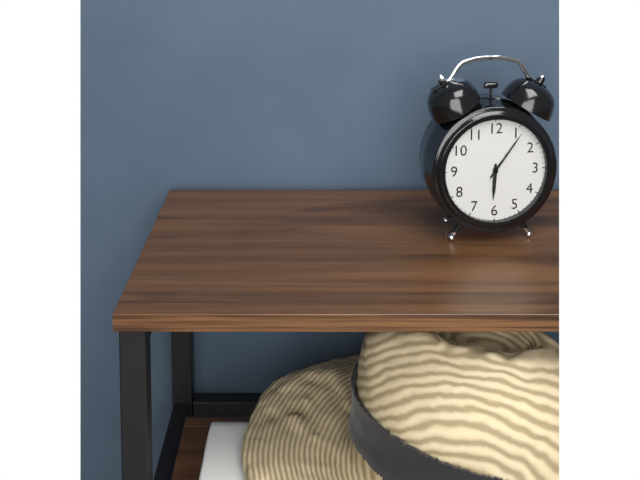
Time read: **6:06**
